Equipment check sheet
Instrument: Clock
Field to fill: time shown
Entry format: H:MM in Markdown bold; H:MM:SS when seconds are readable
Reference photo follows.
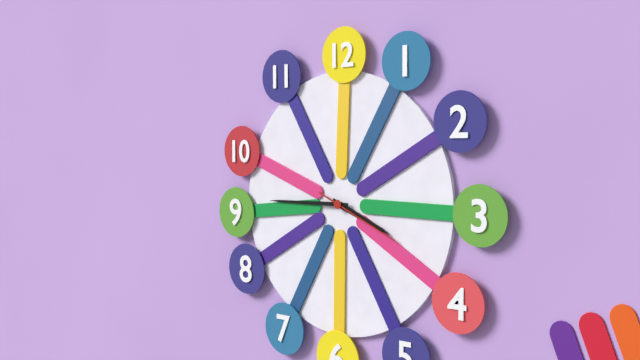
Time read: **3:45:19**
